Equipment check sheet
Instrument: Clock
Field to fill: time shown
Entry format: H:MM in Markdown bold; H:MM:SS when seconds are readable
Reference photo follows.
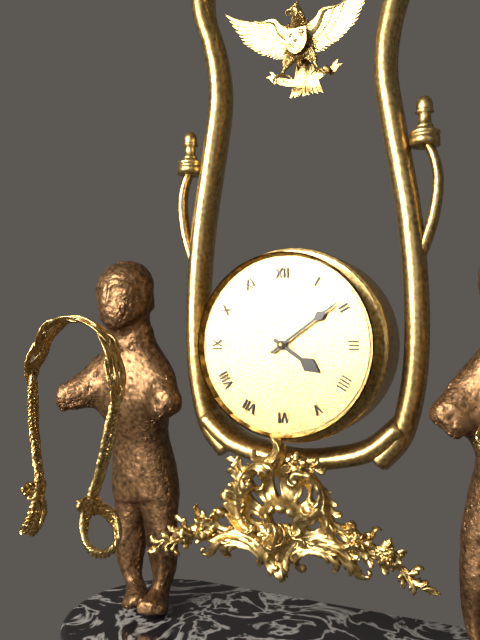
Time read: **4:09**
